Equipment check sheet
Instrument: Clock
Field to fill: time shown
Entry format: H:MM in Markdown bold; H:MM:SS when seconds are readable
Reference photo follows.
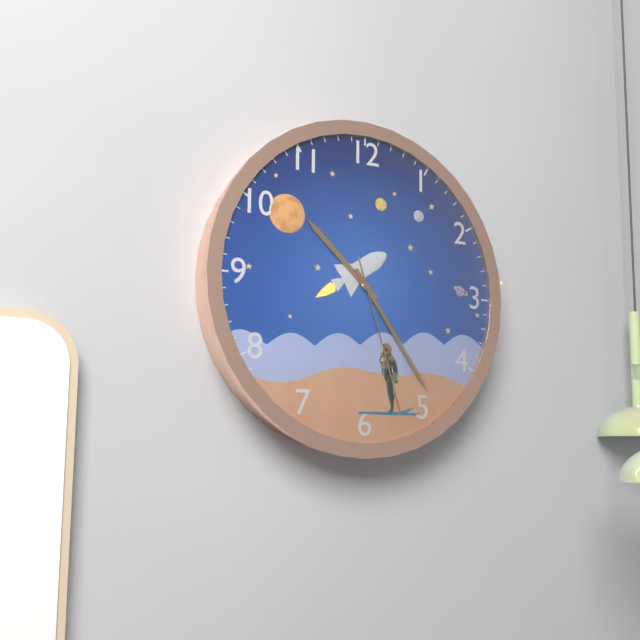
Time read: **10:24:27**
